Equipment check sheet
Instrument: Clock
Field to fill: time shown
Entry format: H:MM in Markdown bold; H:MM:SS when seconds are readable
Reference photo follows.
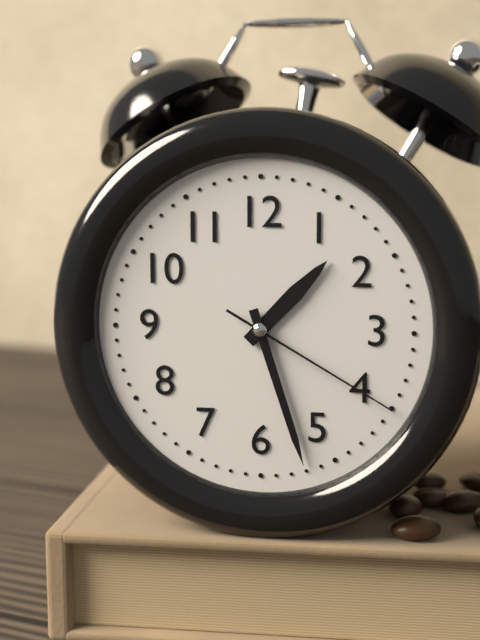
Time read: **1:27:20**
